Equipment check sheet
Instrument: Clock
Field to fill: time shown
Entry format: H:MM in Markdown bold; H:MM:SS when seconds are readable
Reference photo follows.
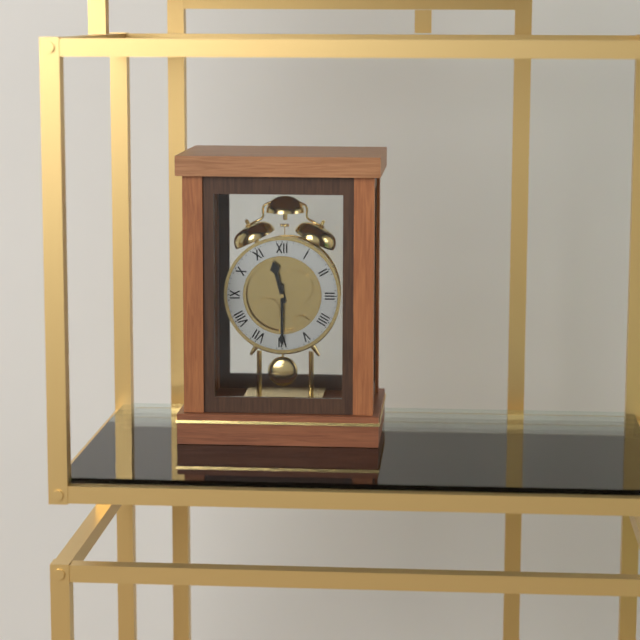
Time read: **11:30**
